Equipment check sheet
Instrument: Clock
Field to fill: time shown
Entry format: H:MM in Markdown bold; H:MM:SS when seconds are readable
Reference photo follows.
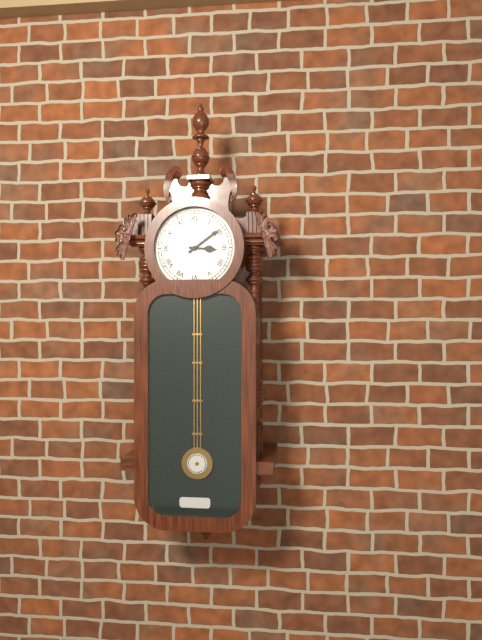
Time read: **3:09**
